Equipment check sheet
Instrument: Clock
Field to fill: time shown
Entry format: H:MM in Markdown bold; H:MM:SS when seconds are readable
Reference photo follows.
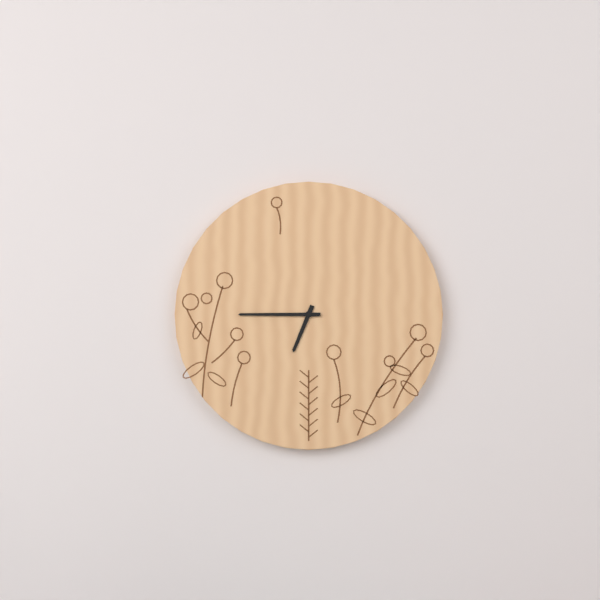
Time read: **6:45**
